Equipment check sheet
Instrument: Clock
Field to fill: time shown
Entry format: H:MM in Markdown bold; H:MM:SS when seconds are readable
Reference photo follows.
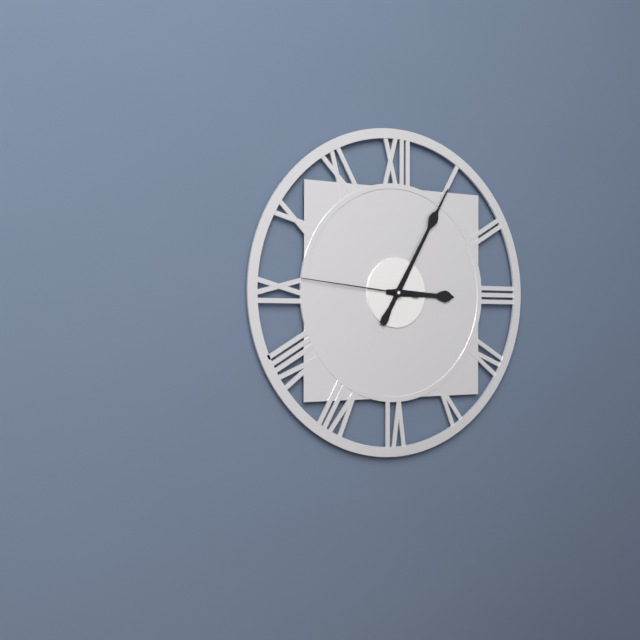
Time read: **3:05:46**
